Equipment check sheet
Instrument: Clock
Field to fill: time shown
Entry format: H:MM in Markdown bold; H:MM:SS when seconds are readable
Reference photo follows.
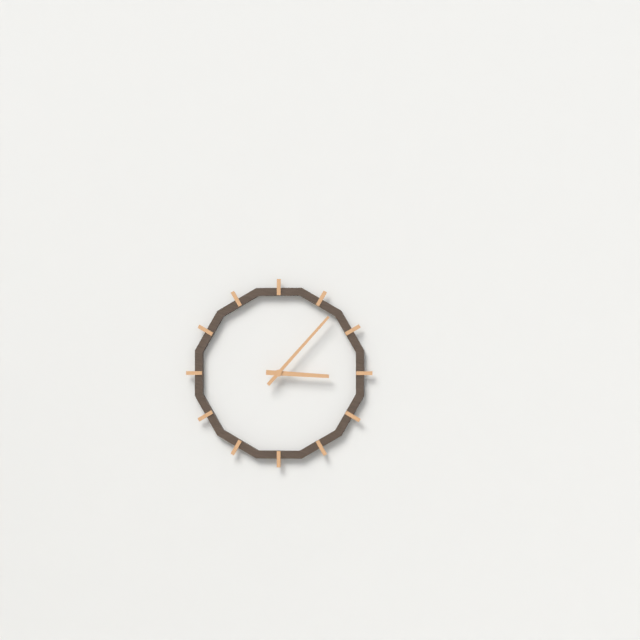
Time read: **3:07**
